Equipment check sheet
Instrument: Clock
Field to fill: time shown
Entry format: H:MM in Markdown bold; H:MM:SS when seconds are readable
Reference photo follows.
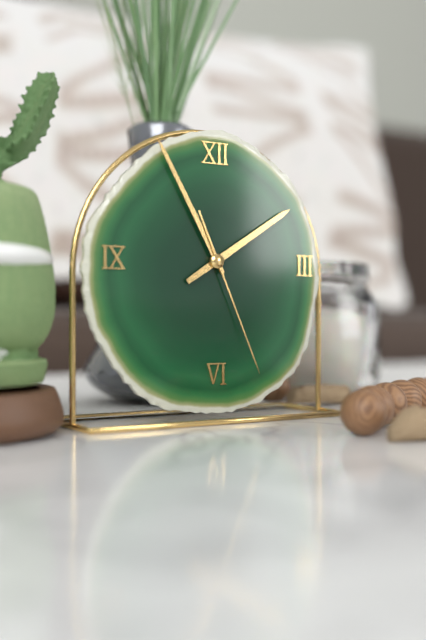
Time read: **1:55:26**
